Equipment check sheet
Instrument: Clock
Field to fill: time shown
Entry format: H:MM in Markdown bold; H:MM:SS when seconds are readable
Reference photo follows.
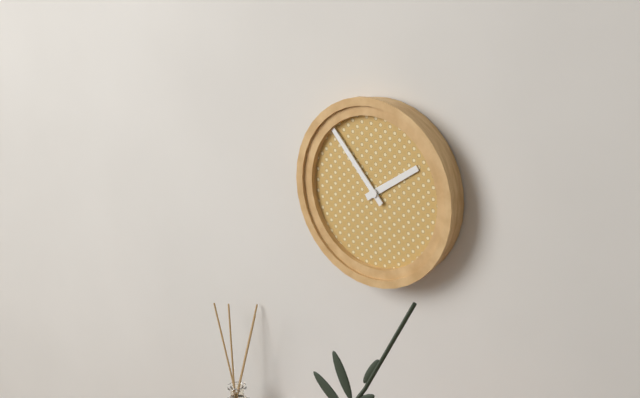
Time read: **1:53**
